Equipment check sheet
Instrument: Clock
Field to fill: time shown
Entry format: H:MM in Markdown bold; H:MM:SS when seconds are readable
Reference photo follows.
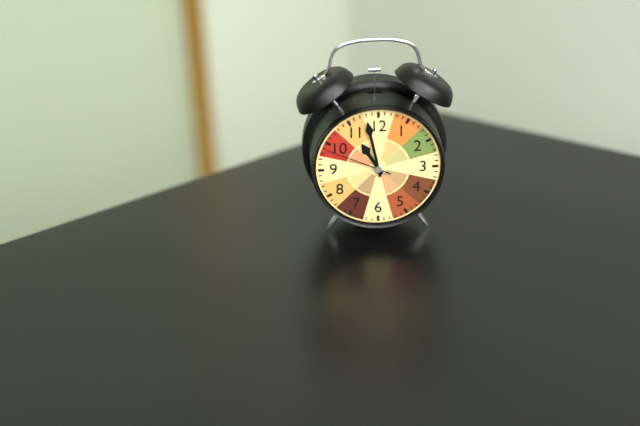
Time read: **10:58:49**
